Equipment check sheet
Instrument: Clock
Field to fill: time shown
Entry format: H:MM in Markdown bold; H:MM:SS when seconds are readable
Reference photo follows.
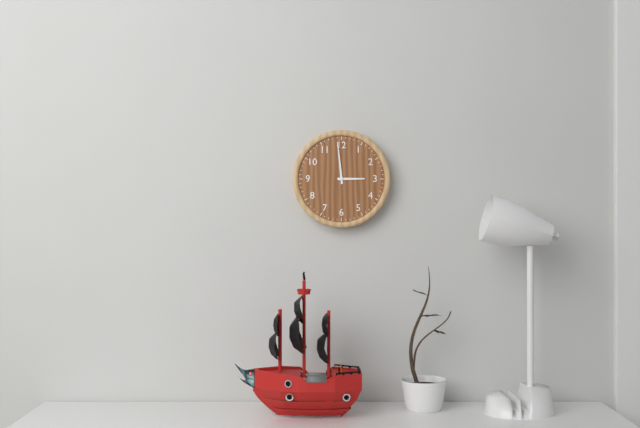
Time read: **2:59**
